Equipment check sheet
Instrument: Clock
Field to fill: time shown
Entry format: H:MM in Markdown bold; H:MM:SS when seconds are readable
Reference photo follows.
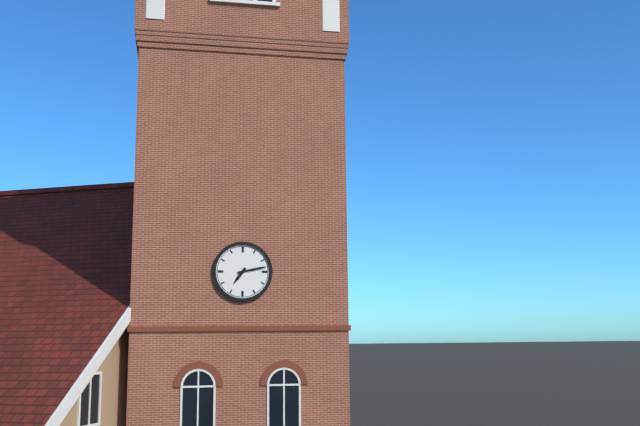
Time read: **7:13**
